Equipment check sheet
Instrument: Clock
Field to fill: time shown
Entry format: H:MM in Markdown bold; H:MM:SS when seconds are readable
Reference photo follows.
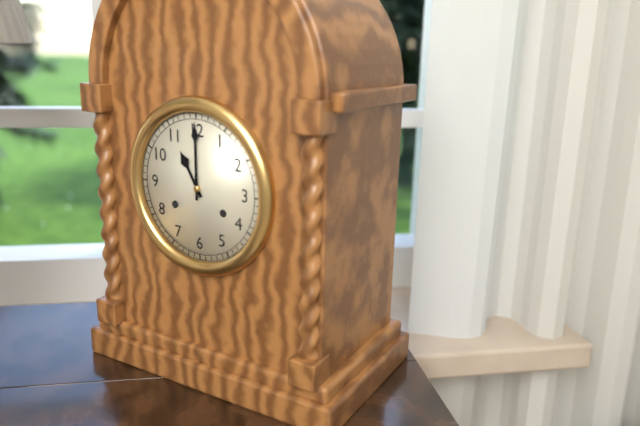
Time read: **11:00**
